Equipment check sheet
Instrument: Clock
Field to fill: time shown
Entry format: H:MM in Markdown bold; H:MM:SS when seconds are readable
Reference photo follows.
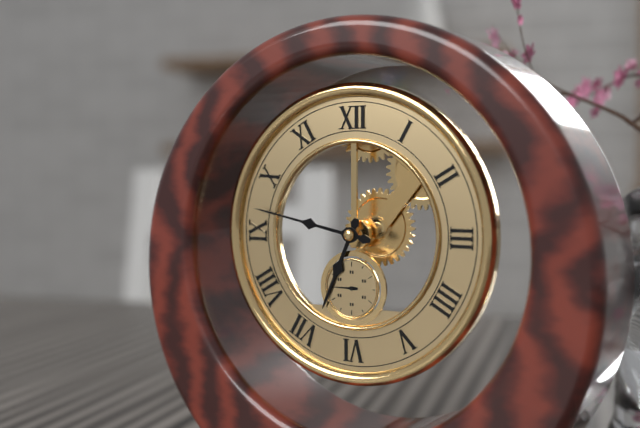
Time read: **6:47**
